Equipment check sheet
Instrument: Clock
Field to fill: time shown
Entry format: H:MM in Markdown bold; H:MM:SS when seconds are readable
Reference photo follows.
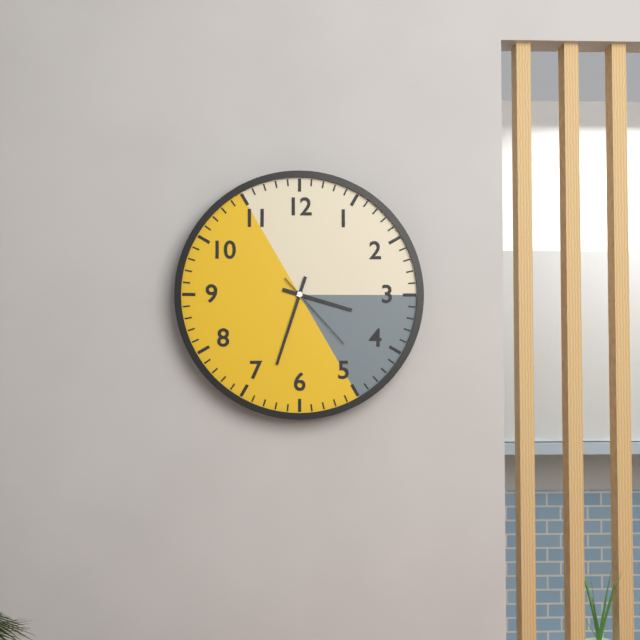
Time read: **3:33:23**
